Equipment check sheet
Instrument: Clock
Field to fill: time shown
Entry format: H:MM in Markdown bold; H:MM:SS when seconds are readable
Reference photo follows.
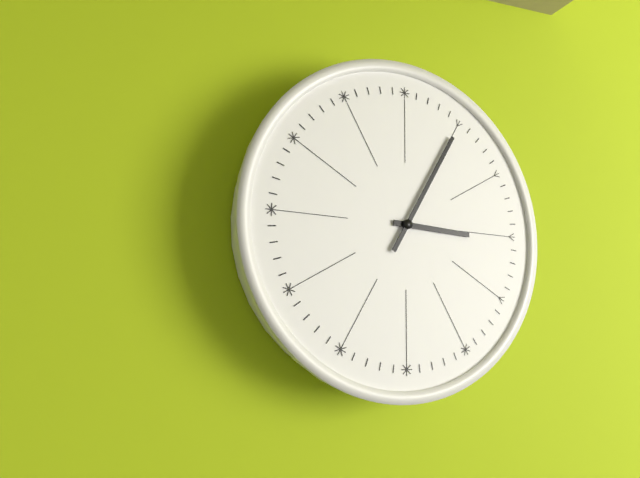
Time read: **3:05**
